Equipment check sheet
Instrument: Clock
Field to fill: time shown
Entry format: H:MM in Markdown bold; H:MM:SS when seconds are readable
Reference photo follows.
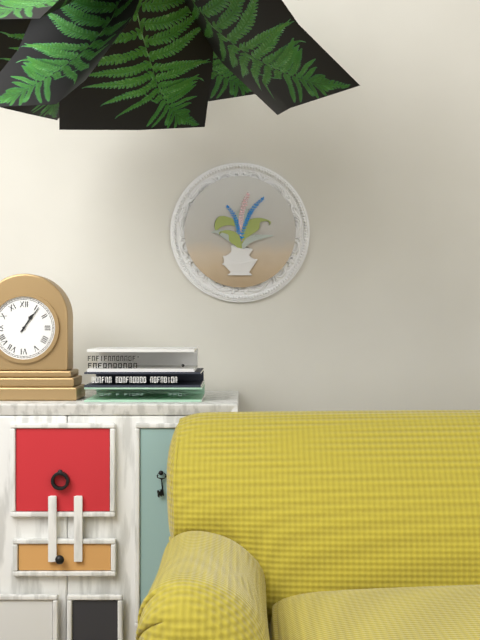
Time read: **1:06**
